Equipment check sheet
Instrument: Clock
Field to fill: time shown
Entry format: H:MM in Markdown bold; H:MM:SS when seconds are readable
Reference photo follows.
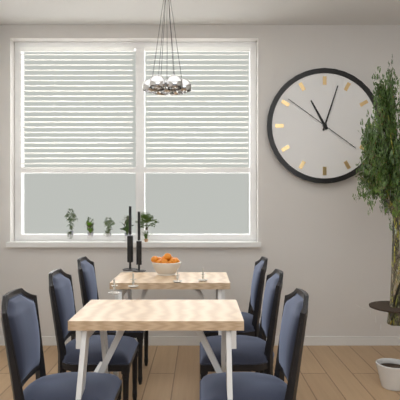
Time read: **11:03:51**
